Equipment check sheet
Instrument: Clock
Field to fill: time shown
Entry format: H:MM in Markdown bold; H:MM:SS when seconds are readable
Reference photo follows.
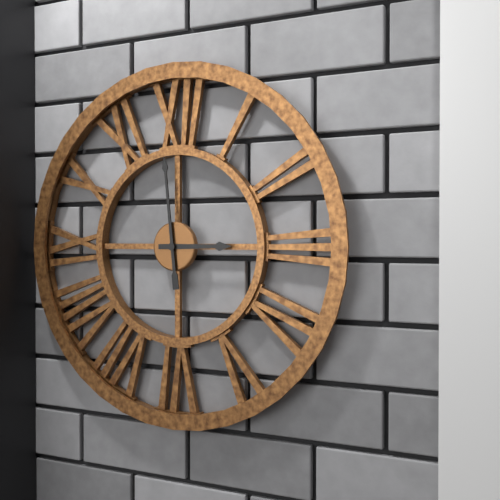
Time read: **2:59**
